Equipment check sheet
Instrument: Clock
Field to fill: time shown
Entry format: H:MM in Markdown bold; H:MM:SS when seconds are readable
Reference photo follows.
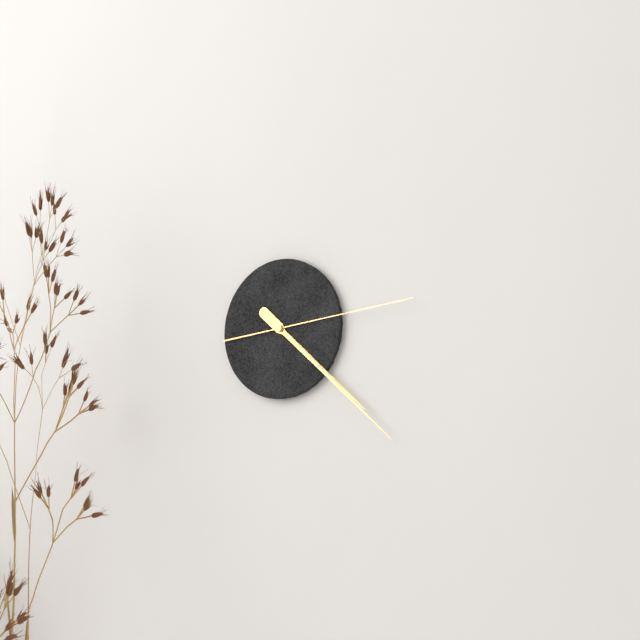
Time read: **4:22:14**
